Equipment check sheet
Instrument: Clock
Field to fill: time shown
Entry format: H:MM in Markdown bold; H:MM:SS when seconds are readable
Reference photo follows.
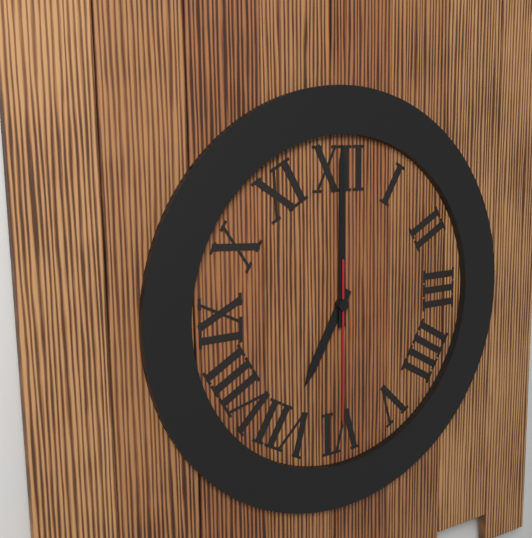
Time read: **7:00:30**
